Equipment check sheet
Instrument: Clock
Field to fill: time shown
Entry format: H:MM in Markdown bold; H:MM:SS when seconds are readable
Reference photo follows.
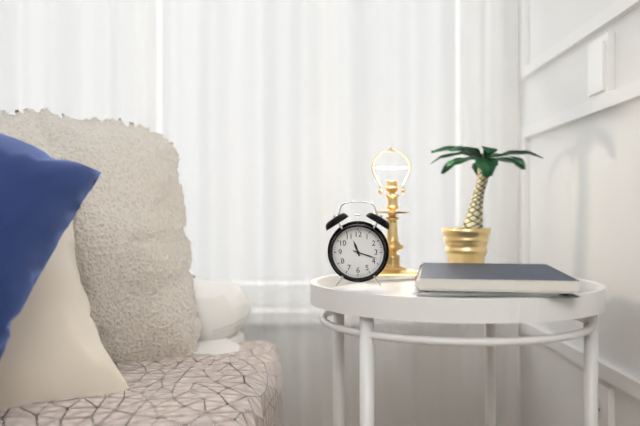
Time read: **11:18**
